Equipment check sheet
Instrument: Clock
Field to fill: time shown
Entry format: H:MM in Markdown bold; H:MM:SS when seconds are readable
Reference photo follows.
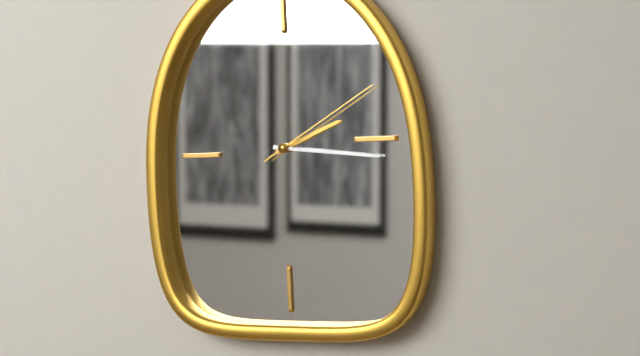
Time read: **2:16:10**
